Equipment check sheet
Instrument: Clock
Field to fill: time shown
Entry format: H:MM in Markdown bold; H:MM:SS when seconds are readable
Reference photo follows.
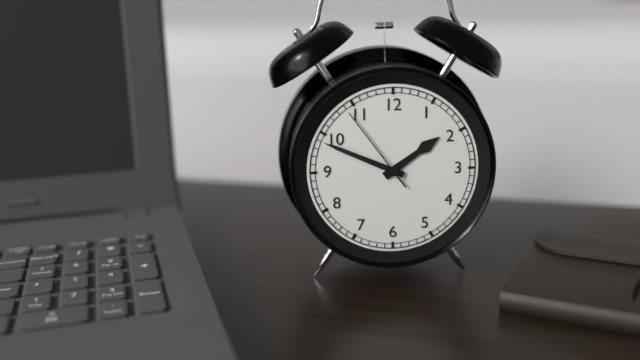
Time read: **1:49:54**
